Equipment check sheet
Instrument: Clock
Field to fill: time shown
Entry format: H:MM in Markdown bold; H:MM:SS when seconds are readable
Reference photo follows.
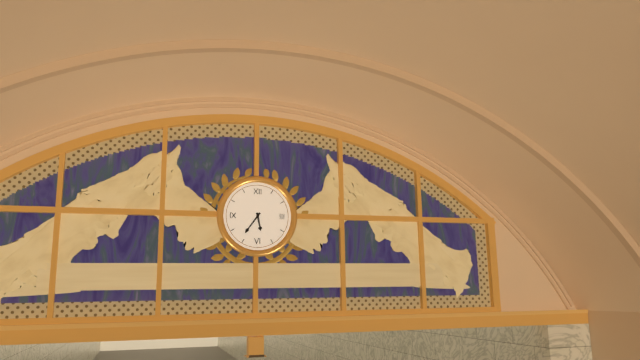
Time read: **5:36**
